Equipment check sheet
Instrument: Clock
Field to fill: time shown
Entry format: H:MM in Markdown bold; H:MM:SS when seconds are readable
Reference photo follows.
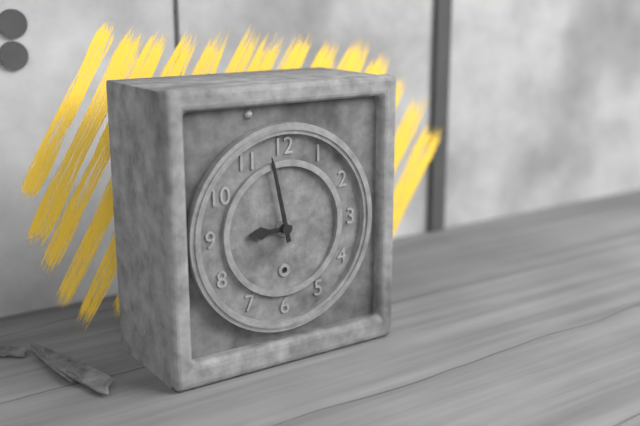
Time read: **8:58**
